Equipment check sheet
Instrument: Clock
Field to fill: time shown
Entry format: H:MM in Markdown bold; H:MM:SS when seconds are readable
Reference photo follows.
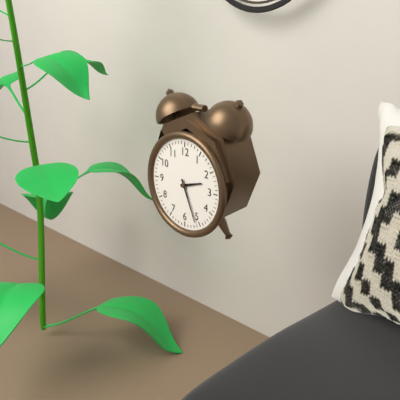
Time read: **2:26**
